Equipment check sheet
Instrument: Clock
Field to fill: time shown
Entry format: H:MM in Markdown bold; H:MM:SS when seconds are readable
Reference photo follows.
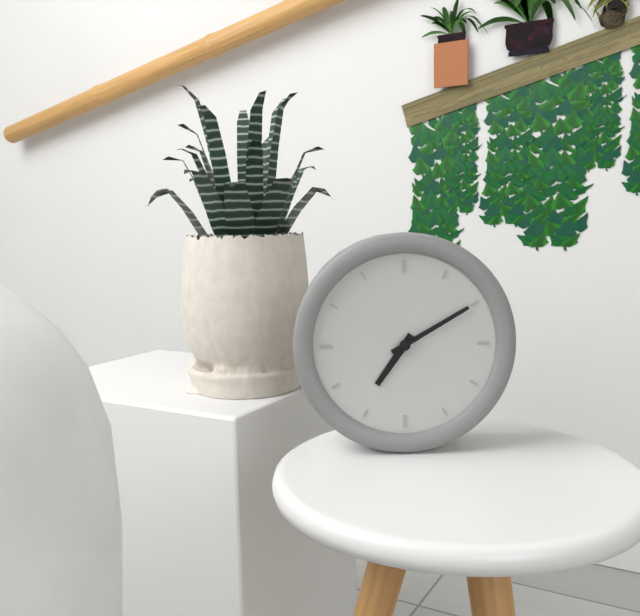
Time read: **7:10**
